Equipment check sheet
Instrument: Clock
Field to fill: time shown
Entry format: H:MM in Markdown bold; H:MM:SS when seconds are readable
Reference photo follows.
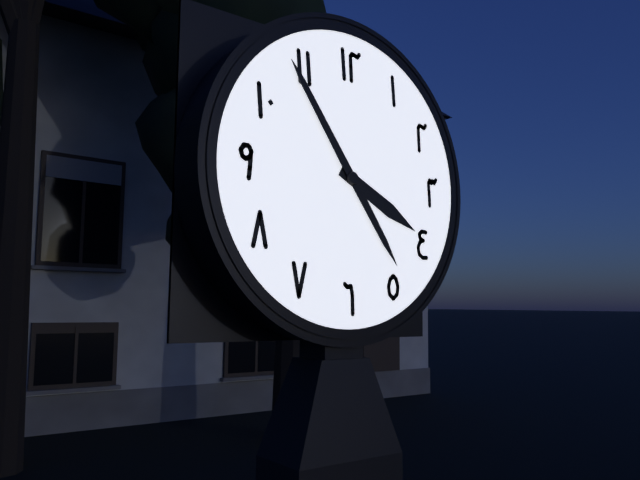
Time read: **3:54**
